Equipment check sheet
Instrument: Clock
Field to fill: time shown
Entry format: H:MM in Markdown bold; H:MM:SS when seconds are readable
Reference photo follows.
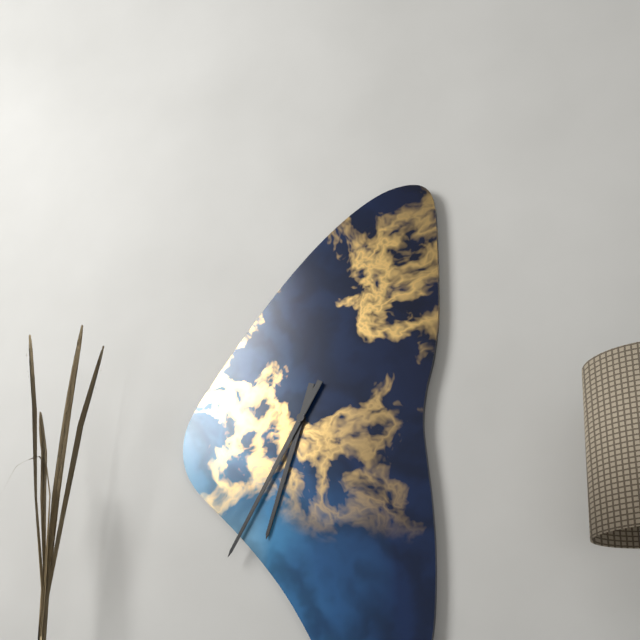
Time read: **6:35**
